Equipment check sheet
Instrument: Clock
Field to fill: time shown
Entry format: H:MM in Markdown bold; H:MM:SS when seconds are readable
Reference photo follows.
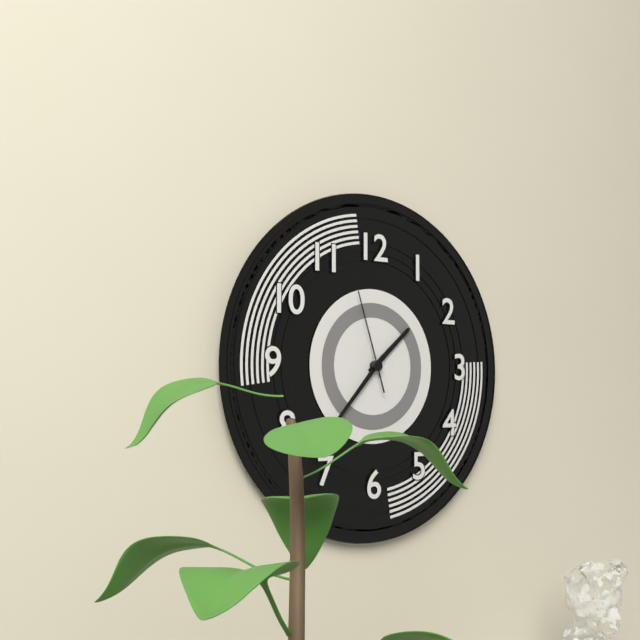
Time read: **1:37:57**
